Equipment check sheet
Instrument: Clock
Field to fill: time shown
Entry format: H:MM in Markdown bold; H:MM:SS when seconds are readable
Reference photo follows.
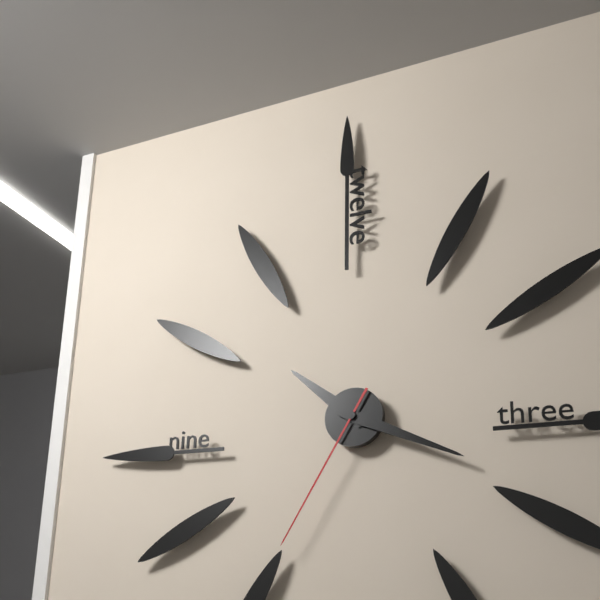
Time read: **10:19:35**
